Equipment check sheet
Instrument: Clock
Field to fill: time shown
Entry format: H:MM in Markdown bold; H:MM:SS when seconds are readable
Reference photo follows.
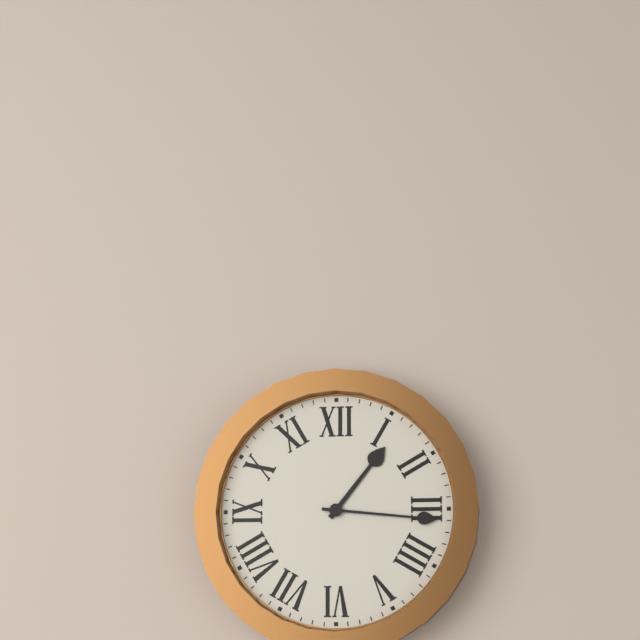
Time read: **1:16**
